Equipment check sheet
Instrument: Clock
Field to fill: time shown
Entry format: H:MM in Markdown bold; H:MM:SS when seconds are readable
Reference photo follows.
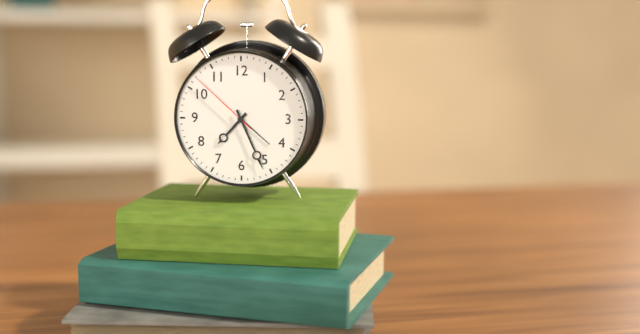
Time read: **7:26:52**
